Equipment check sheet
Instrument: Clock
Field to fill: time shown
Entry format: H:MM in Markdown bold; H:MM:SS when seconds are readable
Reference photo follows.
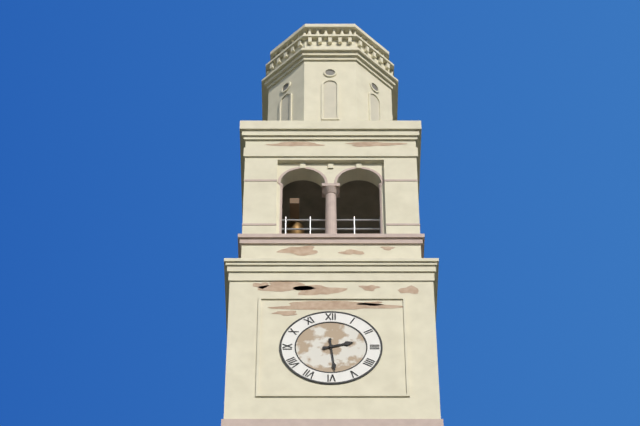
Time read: **2:29**
